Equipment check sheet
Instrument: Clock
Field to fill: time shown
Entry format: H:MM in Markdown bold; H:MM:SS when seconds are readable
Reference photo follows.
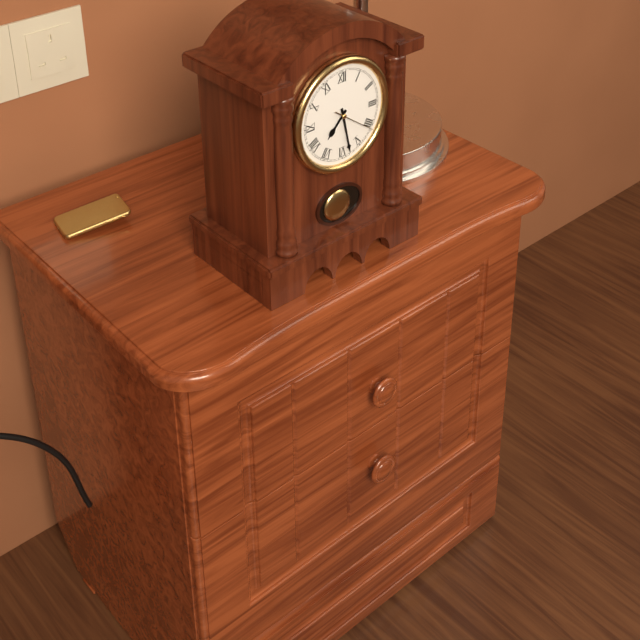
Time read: **7:28**
